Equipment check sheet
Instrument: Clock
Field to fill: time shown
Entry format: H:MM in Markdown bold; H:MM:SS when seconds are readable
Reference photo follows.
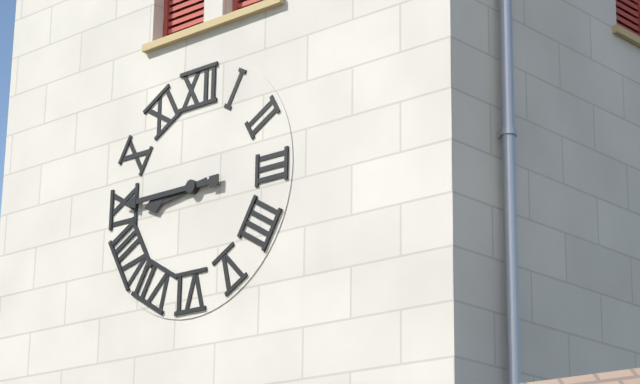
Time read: **8:45**
